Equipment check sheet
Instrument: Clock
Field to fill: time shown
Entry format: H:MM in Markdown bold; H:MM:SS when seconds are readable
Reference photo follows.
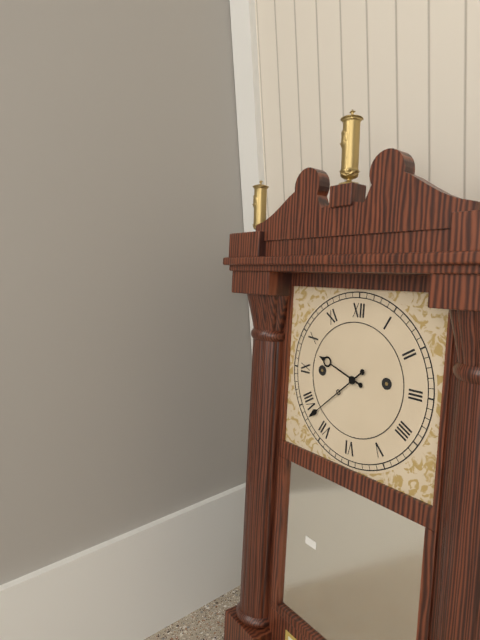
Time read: **9:38**
